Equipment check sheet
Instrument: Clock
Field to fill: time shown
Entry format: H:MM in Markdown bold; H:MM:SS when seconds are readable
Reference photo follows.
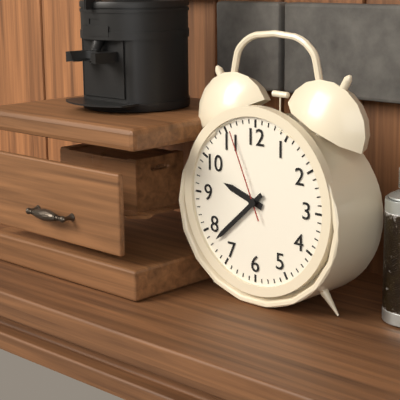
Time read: **9:38:56**
